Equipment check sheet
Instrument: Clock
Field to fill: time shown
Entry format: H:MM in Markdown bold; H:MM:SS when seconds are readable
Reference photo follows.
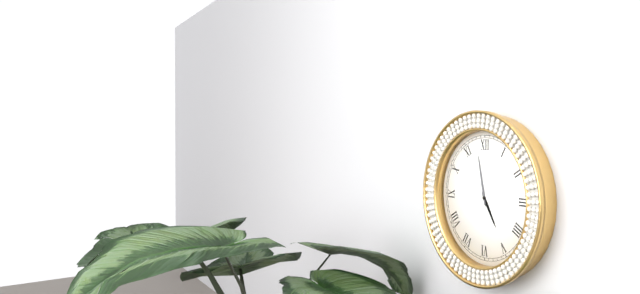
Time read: **4:58**
